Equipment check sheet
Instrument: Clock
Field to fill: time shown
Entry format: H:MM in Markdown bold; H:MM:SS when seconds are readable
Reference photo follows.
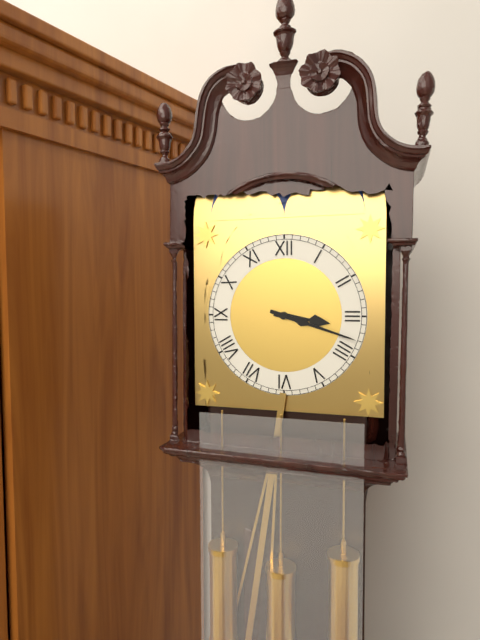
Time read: **3:18**
